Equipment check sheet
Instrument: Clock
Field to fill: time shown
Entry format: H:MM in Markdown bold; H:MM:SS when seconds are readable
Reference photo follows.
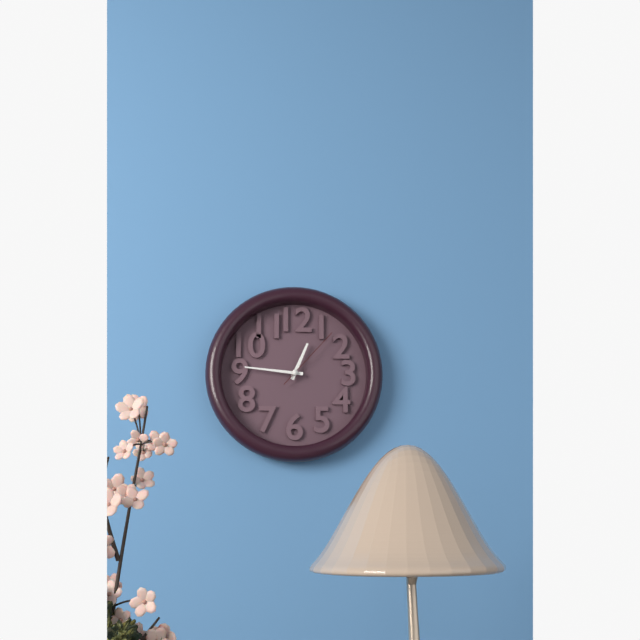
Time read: **12:46:07**
